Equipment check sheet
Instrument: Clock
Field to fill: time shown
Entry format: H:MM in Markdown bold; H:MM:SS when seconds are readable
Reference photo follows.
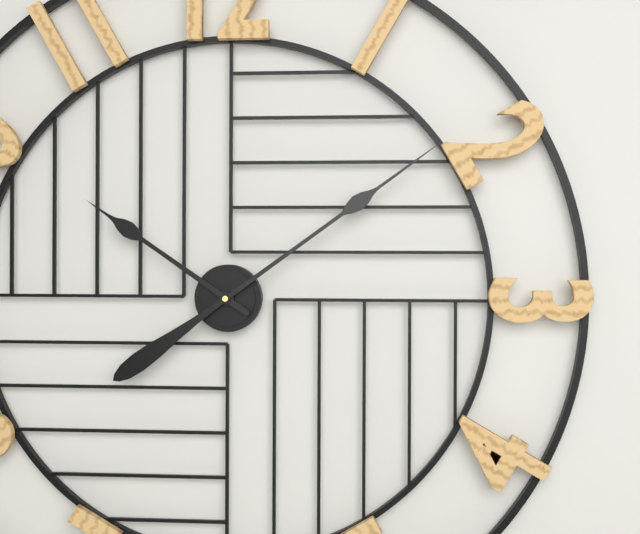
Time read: **10:09**
